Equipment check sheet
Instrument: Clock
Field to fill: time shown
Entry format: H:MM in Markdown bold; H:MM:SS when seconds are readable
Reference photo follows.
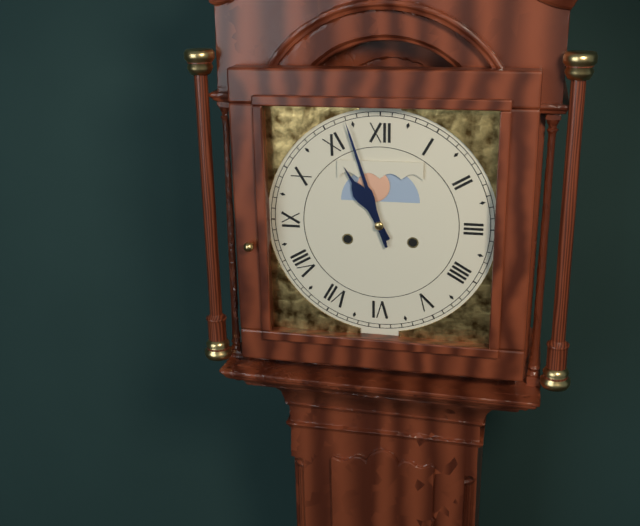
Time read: **10:57**
